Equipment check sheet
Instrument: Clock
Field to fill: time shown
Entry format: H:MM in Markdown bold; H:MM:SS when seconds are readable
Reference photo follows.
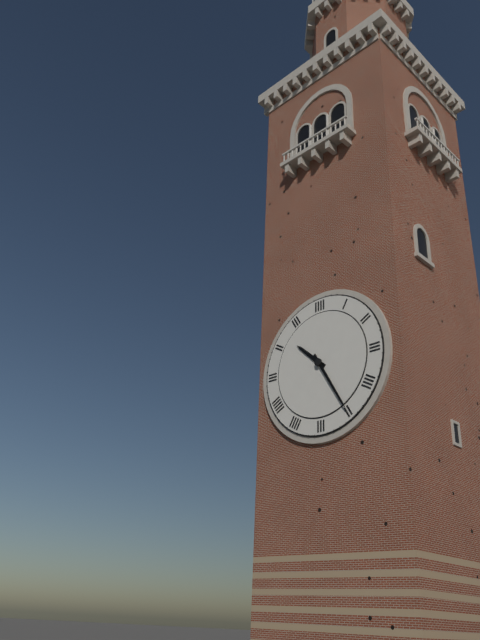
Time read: **10:25**
